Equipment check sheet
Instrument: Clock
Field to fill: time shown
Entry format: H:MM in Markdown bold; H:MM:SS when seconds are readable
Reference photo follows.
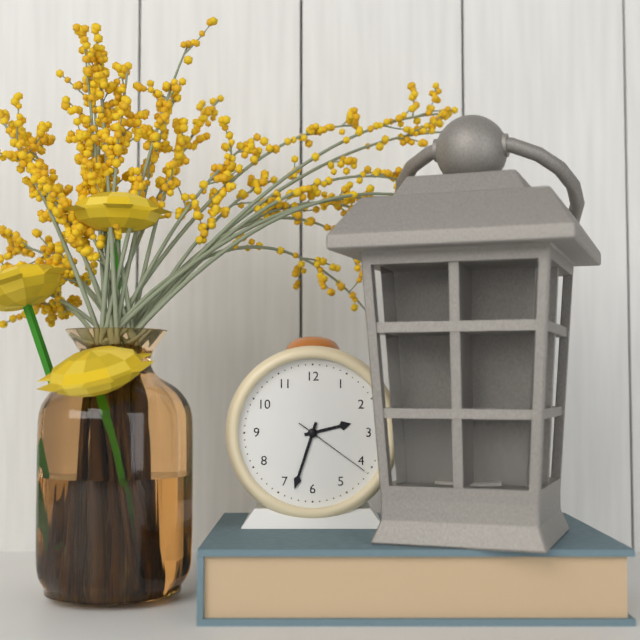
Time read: **2:33:21**
